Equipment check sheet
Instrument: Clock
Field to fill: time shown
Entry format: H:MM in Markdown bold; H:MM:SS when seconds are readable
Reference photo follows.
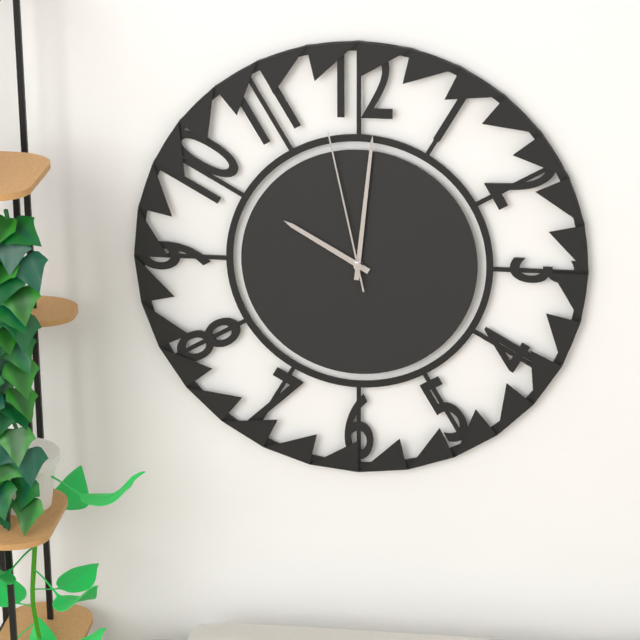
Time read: **10:01:58**
